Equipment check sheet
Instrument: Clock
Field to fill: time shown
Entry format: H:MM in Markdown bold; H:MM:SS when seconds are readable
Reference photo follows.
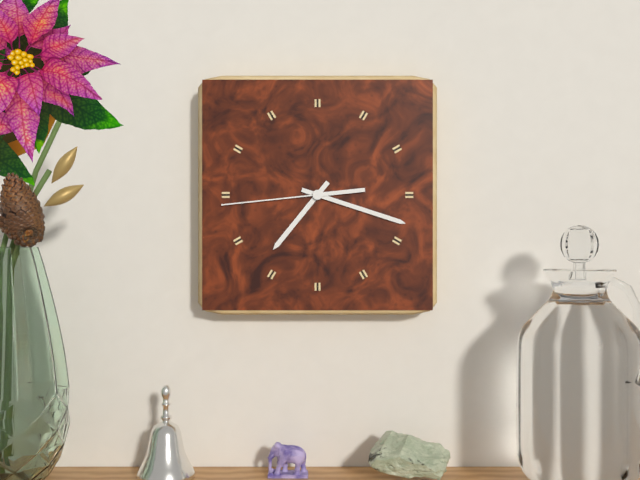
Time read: **7:18:44**
